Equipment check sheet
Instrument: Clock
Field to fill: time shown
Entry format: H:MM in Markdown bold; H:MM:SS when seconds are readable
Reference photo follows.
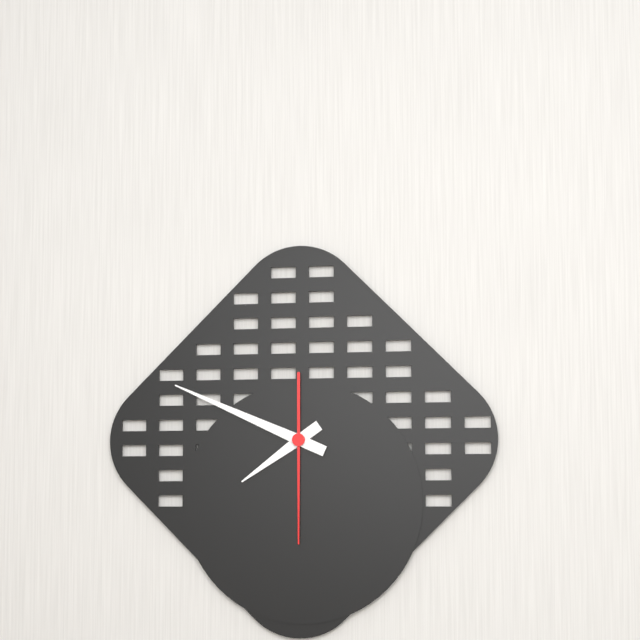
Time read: **7:49:30**
